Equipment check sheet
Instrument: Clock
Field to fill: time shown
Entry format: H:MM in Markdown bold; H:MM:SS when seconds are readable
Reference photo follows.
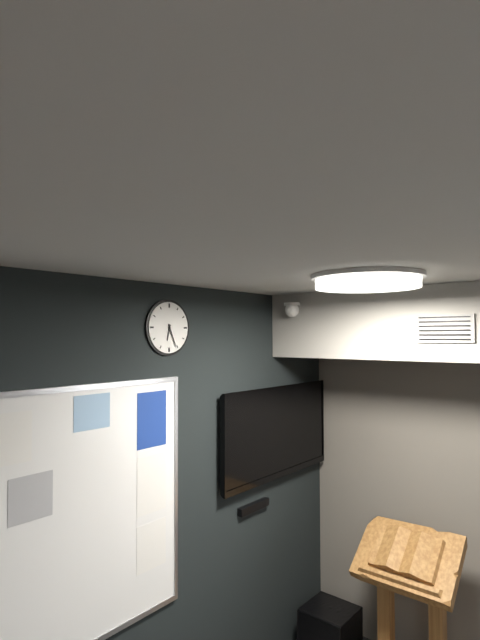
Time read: **6:26**
